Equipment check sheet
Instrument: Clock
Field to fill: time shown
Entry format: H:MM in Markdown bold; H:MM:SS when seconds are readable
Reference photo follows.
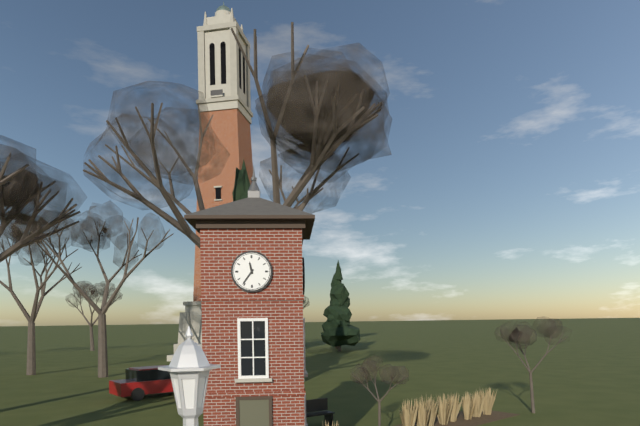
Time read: **11:36**
